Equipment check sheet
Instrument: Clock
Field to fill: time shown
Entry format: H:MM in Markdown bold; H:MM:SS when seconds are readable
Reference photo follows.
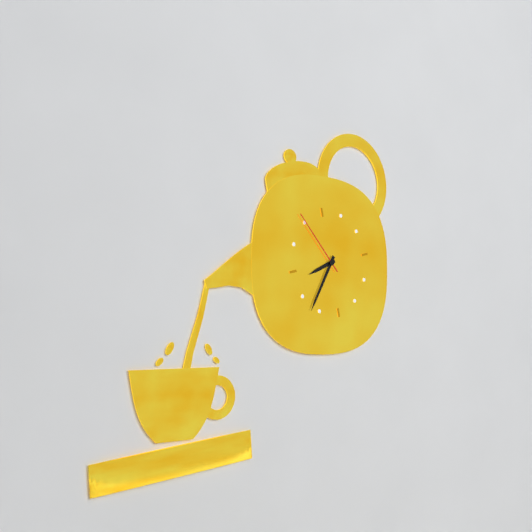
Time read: **8:37:55**
